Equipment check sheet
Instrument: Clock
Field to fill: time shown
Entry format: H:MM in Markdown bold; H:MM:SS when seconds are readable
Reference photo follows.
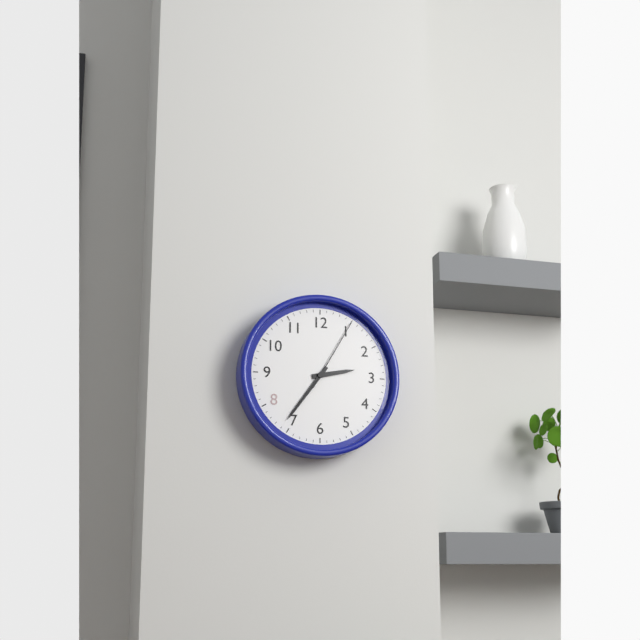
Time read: **2:36:05**
